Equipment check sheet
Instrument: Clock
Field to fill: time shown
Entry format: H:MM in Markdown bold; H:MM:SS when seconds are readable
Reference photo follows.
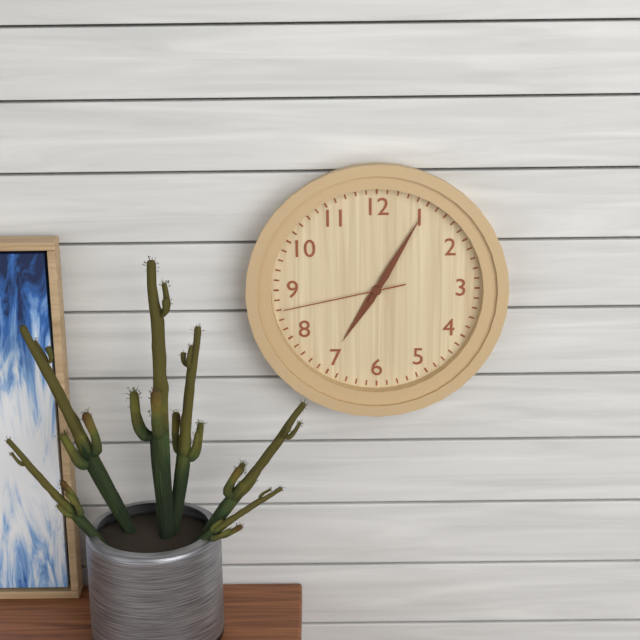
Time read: **7:05:43**
